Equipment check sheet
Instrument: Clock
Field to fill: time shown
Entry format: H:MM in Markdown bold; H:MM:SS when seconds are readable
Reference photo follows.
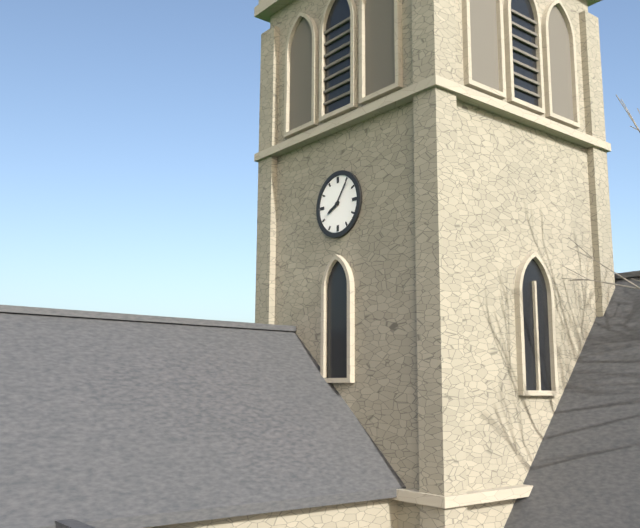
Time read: **8:06**
